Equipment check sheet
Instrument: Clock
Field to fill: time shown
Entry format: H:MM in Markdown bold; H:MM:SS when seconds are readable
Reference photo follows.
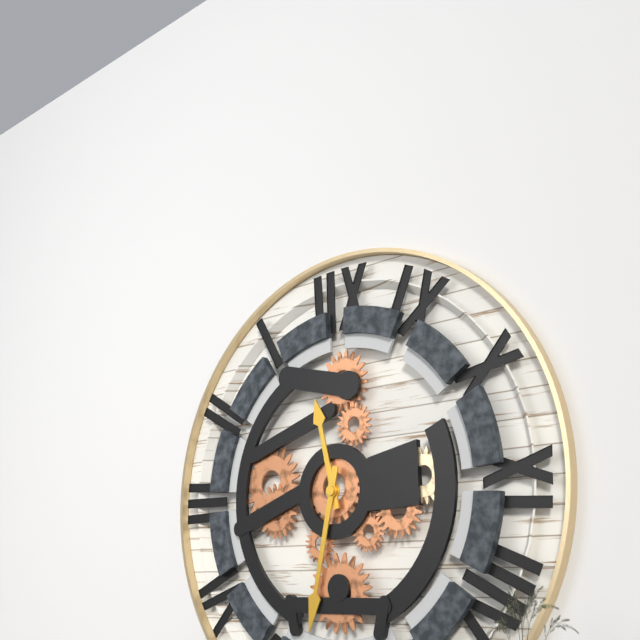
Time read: **11:32**
